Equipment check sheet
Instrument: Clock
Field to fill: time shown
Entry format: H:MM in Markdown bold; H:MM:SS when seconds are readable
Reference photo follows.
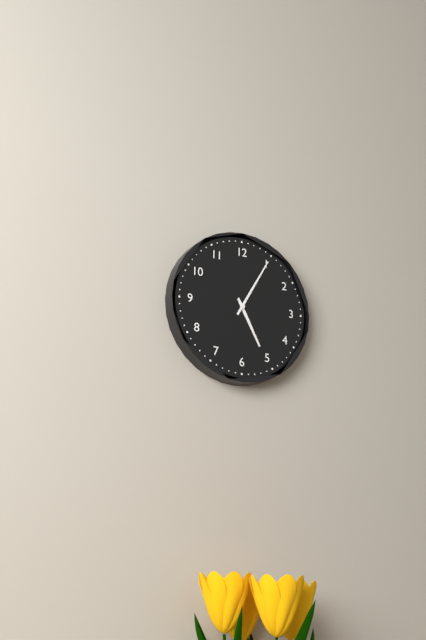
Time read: **5:05**
